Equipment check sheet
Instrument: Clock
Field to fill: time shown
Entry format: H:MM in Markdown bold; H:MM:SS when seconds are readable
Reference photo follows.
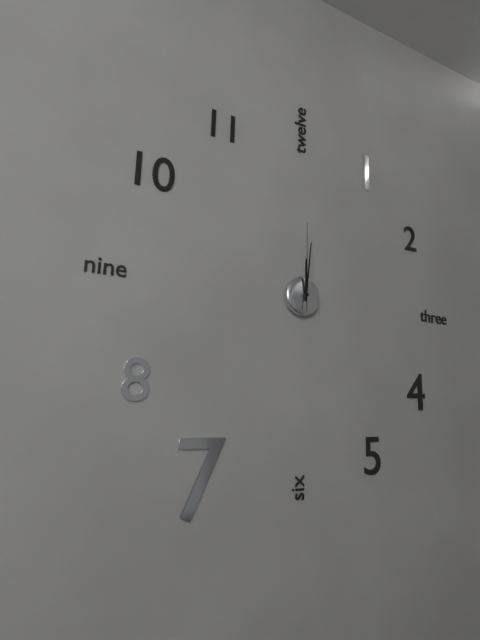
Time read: **12:01:00**
